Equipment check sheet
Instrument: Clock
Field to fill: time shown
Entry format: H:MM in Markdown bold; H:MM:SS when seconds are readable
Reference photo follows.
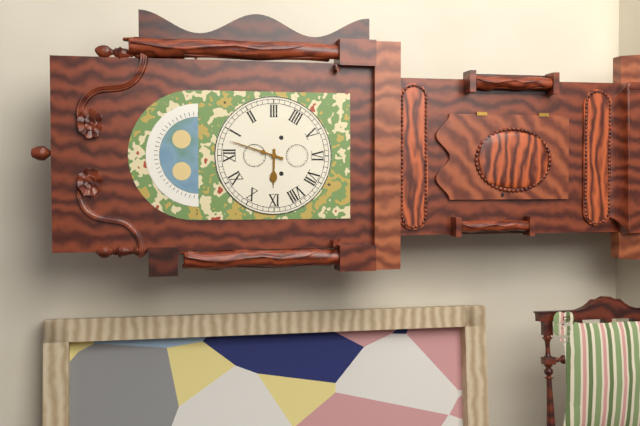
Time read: **9:03**
